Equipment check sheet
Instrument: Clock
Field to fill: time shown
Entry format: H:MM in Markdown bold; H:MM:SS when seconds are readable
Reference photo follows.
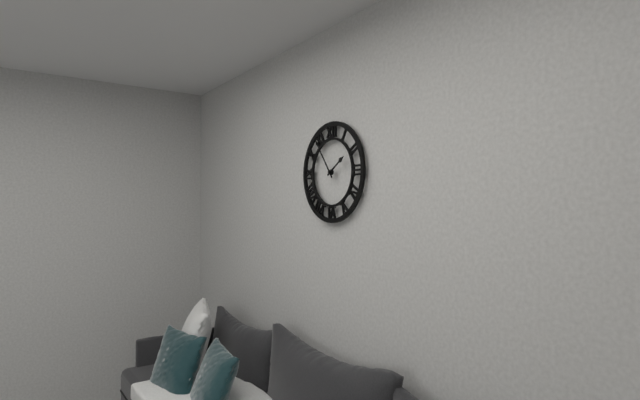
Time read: **1:54**
